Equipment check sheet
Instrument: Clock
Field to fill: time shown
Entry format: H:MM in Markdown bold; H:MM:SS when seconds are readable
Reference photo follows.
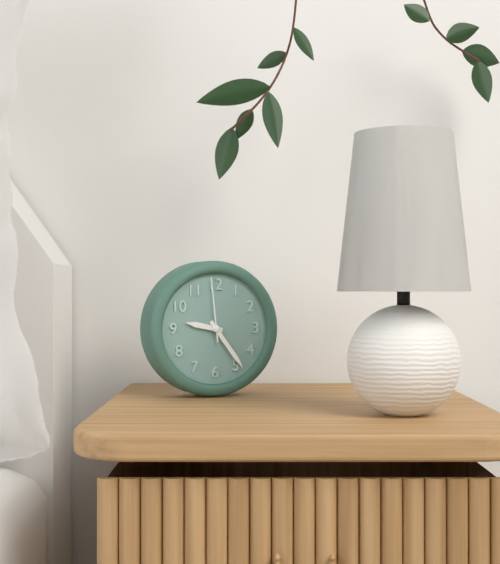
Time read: **9:24:59**
